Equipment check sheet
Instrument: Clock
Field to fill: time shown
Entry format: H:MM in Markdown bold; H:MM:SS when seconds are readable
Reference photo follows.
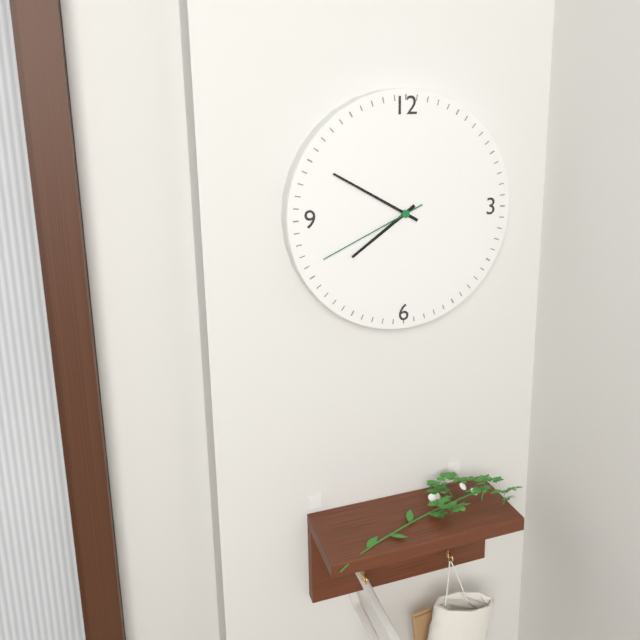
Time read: **7:50:41**
